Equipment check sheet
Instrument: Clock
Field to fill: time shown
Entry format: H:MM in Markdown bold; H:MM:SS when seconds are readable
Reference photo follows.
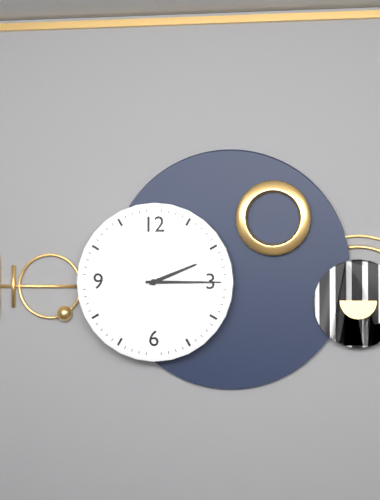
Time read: **2:15**
